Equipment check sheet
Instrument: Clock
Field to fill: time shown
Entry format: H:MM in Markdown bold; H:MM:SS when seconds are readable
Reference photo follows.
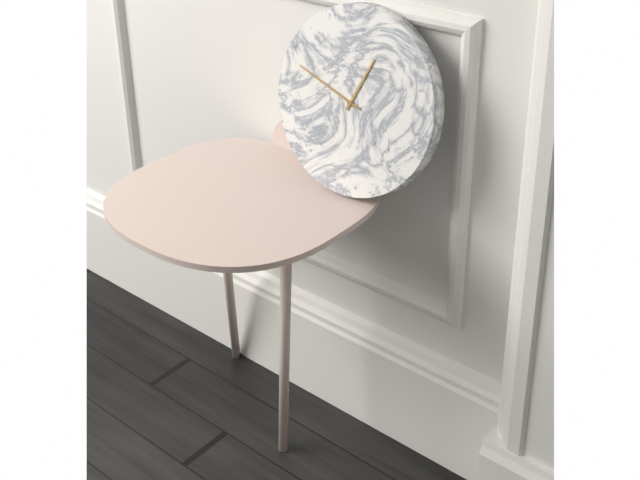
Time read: **12:48**
